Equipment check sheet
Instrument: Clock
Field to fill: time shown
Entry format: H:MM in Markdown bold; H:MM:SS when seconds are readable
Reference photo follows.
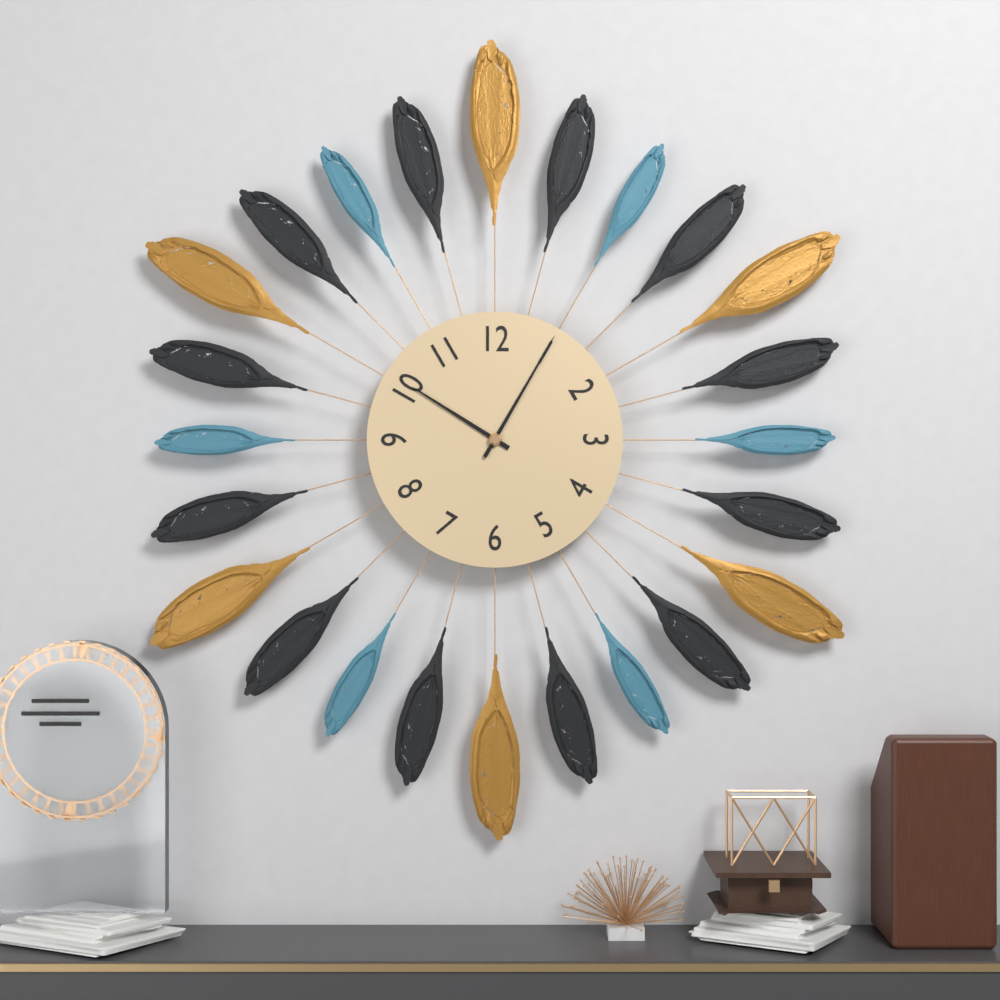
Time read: **10:05**
